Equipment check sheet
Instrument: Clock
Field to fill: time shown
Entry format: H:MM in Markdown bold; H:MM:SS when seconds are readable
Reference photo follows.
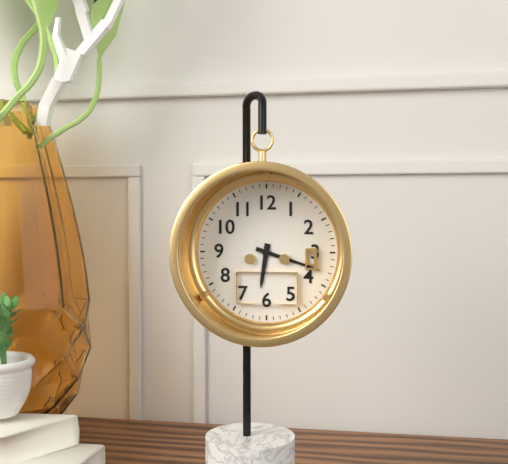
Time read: **6:18**
